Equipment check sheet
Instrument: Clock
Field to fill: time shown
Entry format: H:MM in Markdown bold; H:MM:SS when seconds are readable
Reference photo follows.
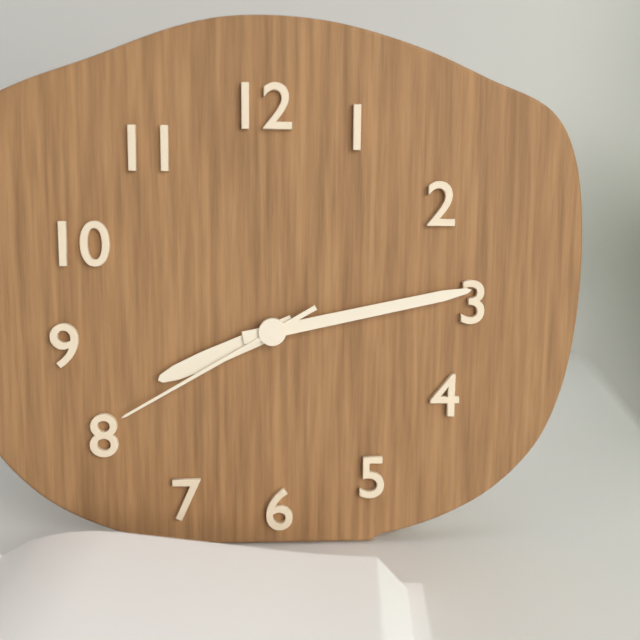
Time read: **8:13:40**
